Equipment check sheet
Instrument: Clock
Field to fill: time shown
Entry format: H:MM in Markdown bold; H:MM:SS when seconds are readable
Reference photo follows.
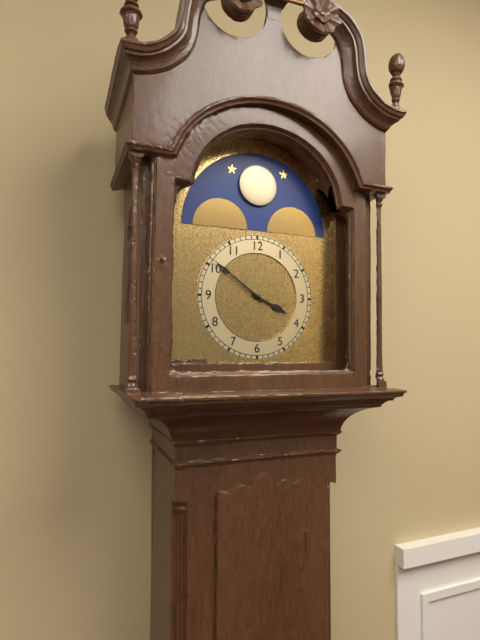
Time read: **3:51**
